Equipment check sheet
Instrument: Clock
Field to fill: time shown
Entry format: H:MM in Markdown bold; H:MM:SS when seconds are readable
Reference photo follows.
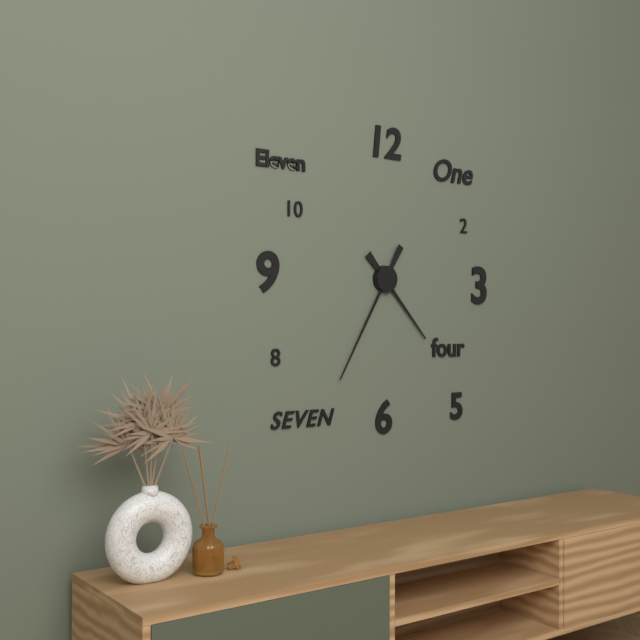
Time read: **4:35**
